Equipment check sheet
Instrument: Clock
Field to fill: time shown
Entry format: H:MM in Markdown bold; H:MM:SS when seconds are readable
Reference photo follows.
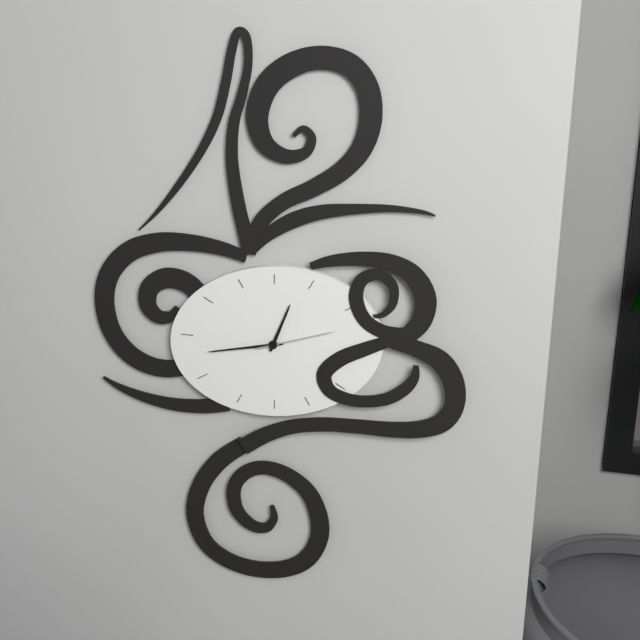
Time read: **12:43:12**
